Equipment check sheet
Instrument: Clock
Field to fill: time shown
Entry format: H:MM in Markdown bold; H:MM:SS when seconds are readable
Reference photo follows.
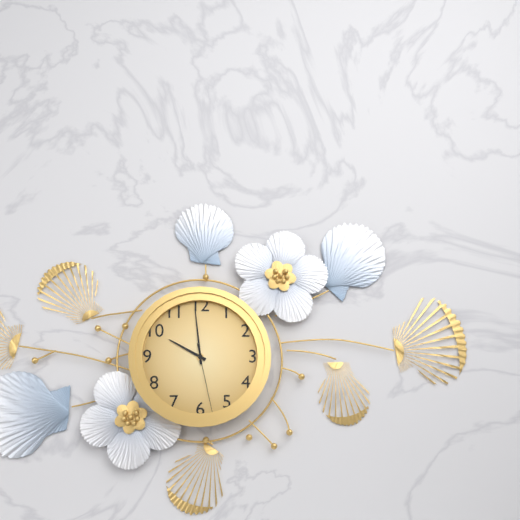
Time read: **9:59:28**
